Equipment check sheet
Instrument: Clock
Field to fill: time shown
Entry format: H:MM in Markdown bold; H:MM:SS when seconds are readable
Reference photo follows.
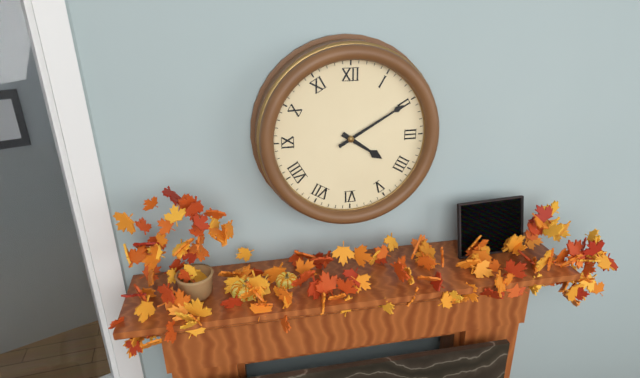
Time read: **4:10**
